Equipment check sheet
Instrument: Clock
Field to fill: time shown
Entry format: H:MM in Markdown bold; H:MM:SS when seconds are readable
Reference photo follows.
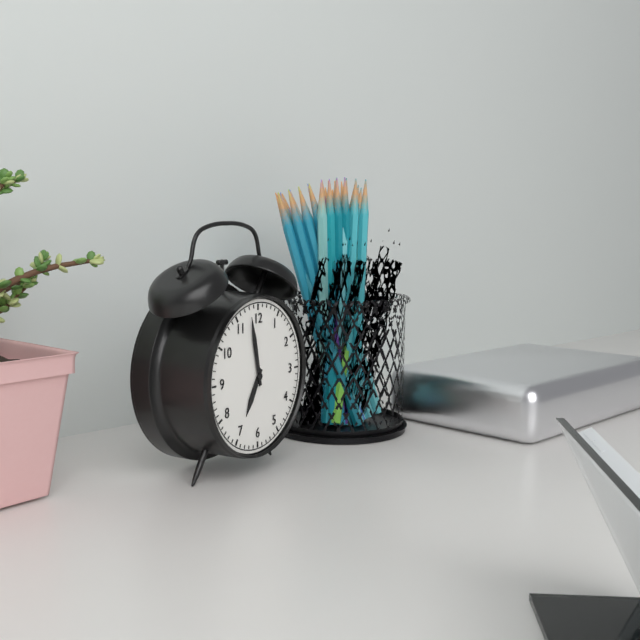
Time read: **6:58**
